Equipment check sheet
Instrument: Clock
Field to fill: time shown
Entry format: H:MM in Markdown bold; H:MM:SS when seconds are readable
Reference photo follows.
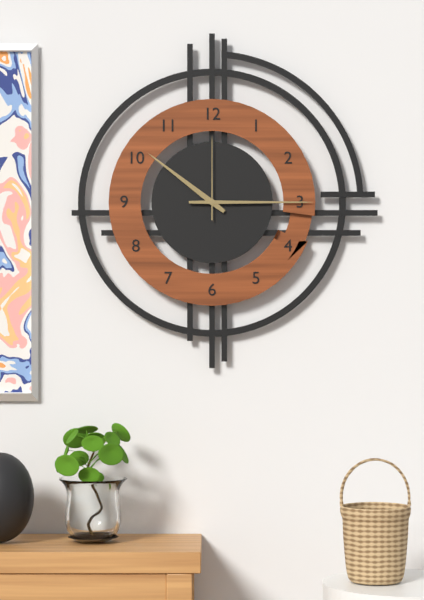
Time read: **10:15:00**
